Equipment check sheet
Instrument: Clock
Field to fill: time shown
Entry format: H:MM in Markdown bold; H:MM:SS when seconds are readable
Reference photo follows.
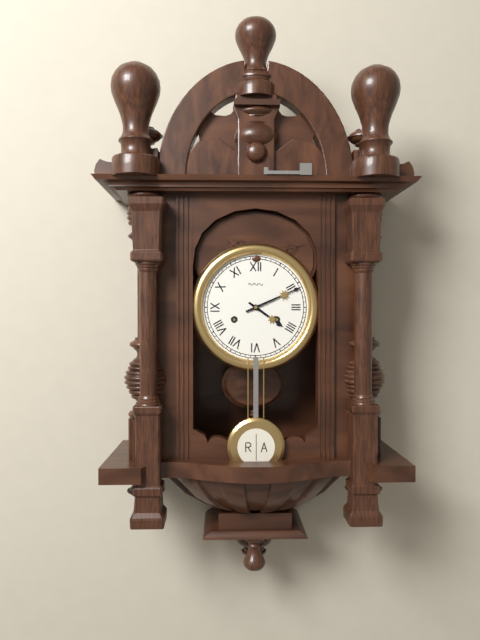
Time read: **4:11**
